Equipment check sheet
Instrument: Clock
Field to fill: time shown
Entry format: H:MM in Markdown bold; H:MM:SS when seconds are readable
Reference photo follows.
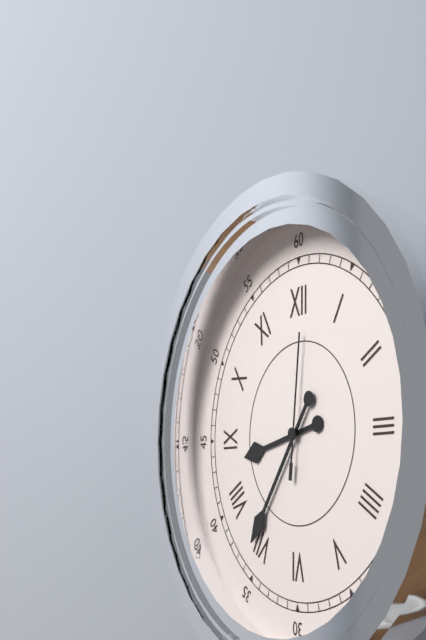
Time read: **8:36:01**
